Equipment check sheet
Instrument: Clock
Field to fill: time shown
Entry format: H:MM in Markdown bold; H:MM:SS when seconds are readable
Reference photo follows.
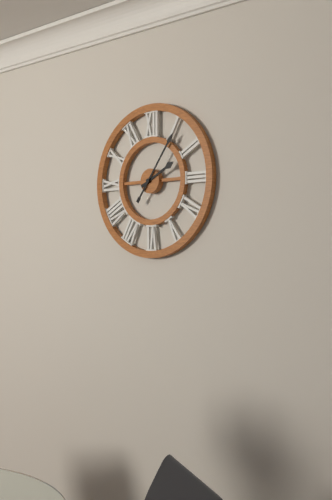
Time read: **2:06**
